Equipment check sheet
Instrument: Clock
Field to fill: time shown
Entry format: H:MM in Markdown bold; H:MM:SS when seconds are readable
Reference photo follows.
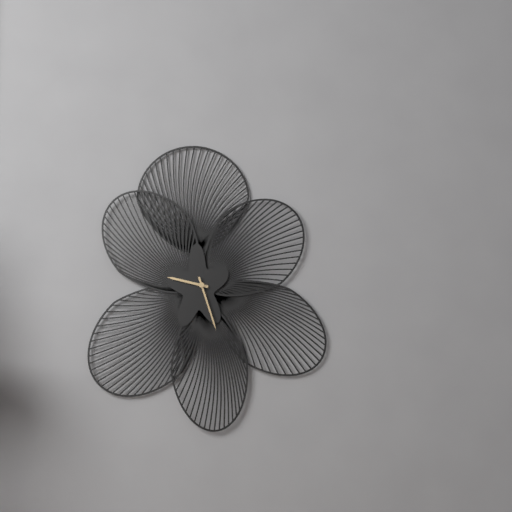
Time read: **9:27**
